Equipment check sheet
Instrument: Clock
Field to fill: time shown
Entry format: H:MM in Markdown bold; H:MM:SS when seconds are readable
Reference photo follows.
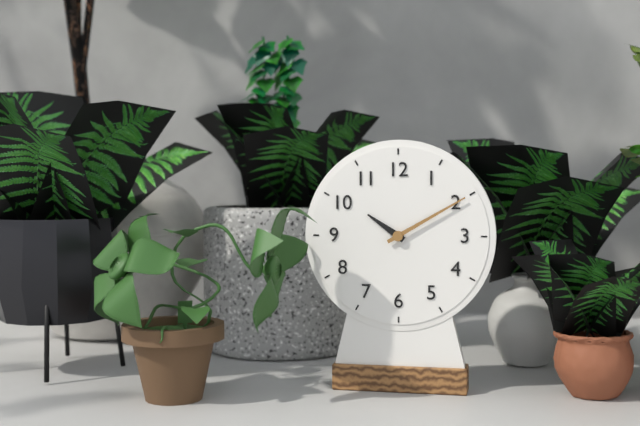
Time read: **10:10**
